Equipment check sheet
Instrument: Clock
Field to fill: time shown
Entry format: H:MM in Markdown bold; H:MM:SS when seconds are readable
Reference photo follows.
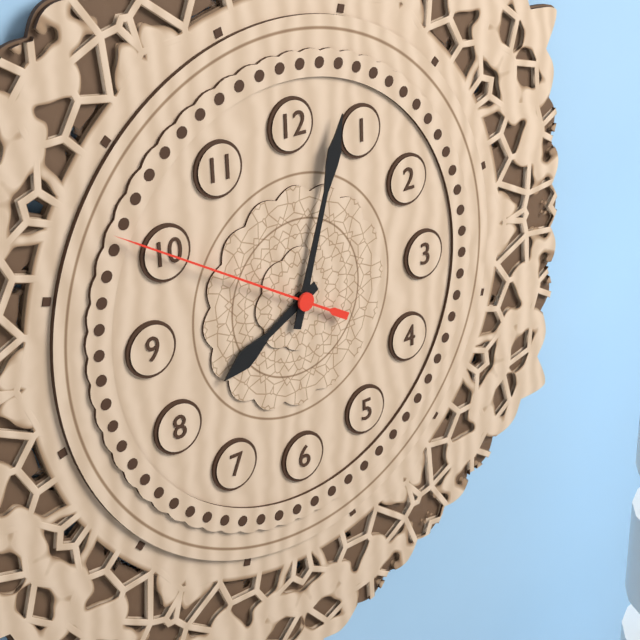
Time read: **8:03:50**
